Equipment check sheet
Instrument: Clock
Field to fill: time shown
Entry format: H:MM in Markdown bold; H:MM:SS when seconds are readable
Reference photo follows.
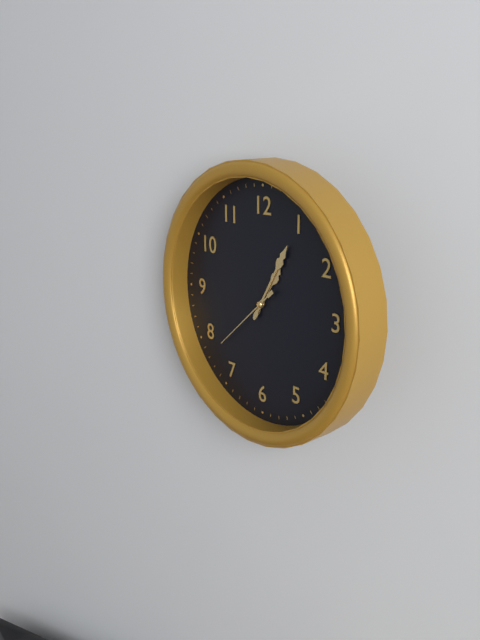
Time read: **1:05:38**
